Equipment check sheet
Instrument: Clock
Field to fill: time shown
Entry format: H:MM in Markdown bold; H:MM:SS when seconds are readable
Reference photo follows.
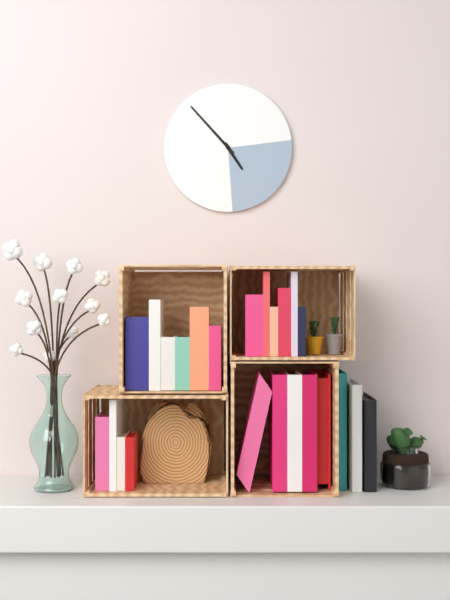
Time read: **4:53**
